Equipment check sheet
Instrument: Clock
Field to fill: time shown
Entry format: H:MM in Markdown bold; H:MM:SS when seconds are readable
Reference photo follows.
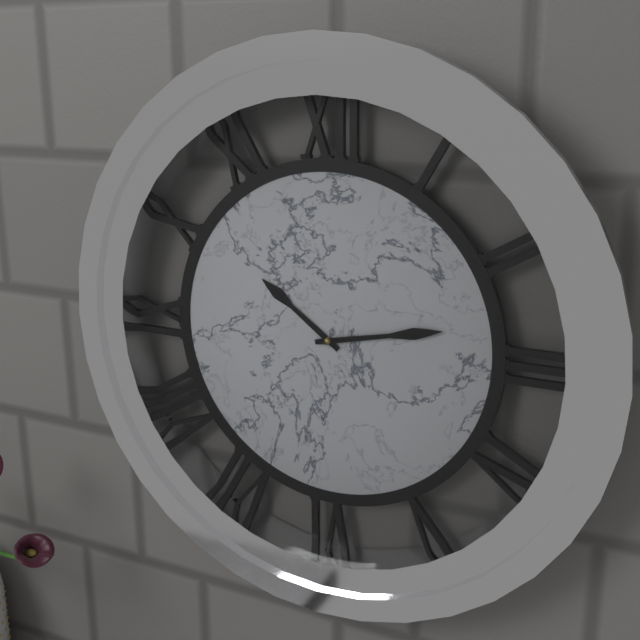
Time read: **10:13**
